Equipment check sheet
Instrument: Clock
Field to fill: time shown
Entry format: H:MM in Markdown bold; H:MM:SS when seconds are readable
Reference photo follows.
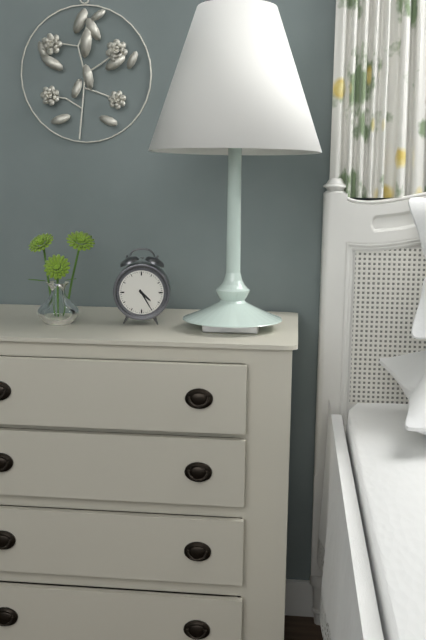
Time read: **4:25**
